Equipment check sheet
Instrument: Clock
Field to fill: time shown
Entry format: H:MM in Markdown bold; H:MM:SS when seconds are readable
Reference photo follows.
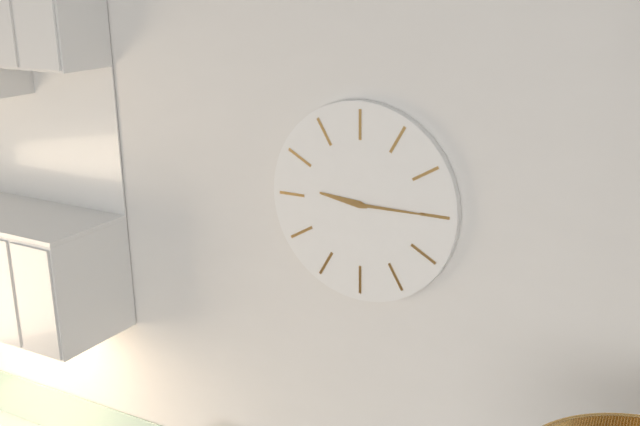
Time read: **9:15**
